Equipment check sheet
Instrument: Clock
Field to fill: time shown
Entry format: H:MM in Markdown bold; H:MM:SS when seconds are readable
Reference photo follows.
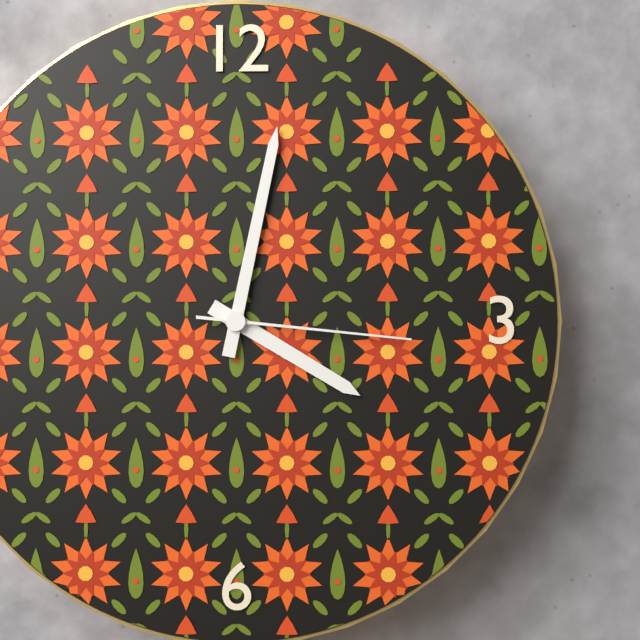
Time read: **4:02:16**
